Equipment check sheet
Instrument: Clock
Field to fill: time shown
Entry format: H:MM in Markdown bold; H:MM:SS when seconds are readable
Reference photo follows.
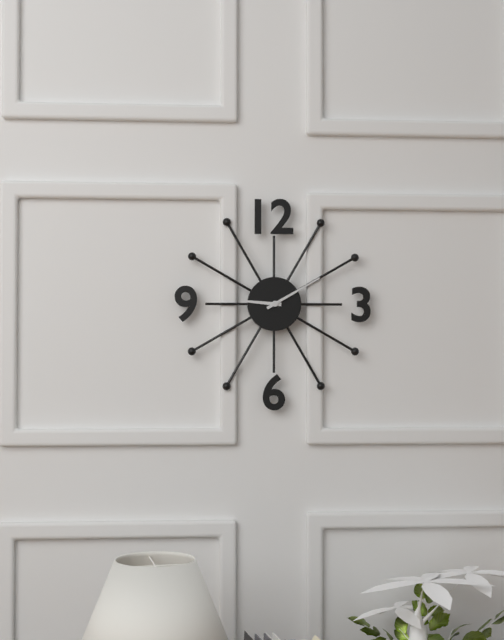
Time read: **9:10**
